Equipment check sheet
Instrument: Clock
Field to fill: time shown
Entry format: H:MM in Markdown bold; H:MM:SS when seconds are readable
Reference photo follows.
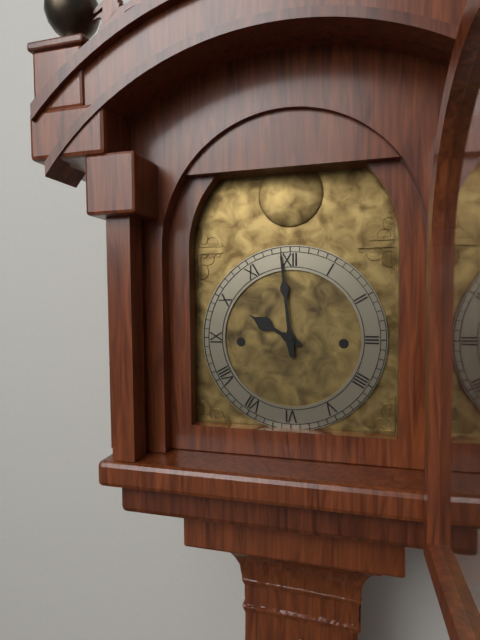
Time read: **9:59**
